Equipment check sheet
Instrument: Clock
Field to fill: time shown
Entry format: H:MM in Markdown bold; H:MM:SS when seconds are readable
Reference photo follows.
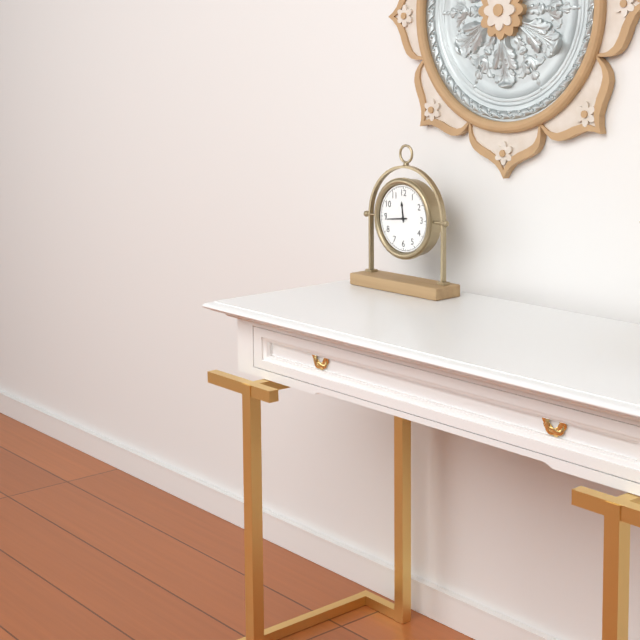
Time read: **11:44**
